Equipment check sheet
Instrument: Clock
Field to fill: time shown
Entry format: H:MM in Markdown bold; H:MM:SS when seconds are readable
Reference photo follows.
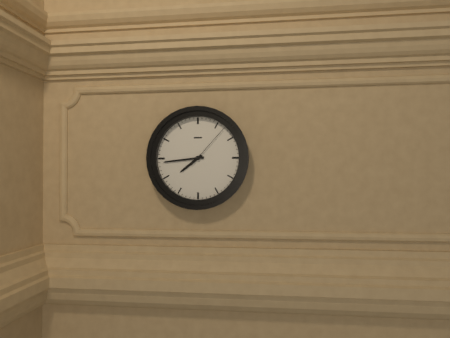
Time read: **7:44**
